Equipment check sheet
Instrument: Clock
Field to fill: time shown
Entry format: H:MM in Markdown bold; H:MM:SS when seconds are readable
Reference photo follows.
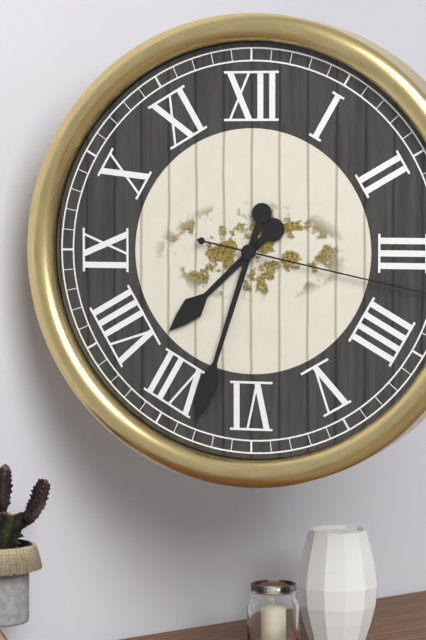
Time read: **7:33**
